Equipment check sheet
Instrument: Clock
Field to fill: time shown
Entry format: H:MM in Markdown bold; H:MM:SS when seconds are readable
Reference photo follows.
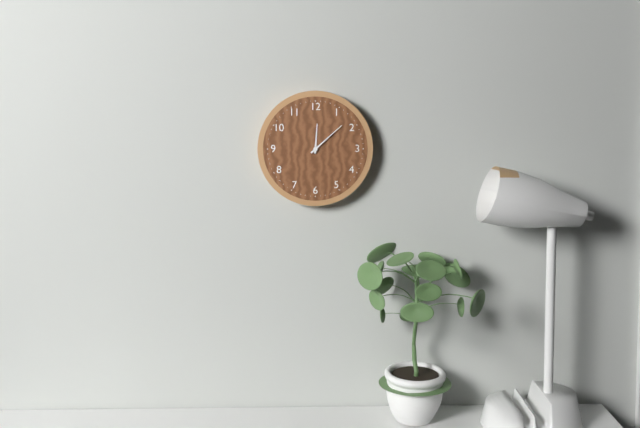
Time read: **12:08**
